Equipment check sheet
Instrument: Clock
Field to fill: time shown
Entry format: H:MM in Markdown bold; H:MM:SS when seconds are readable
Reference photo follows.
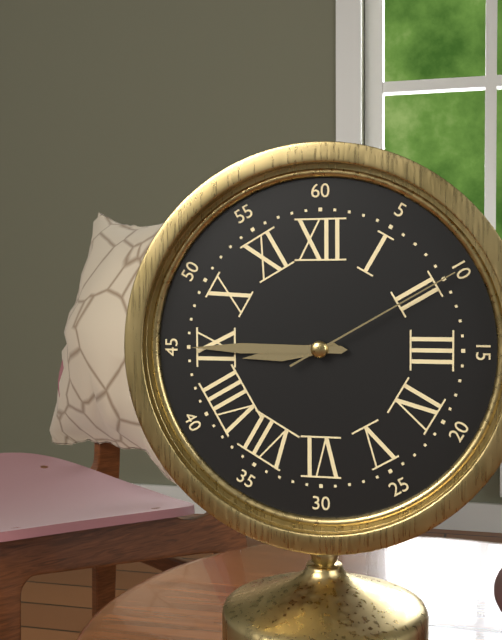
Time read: **8:45:10**
